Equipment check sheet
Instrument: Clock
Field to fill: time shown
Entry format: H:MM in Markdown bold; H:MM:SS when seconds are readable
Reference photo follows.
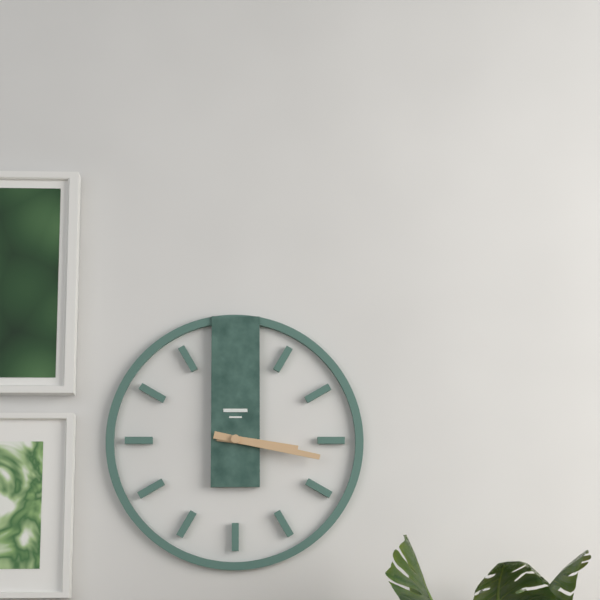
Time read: **3:17**
